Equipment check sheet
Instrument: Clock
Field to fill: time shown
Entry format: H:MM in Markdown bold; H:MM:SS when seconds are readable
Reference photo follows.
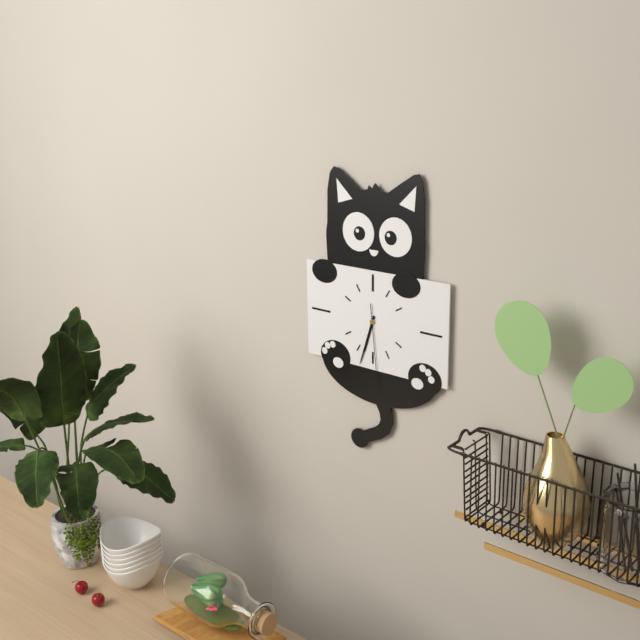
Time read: **6:33:29**
